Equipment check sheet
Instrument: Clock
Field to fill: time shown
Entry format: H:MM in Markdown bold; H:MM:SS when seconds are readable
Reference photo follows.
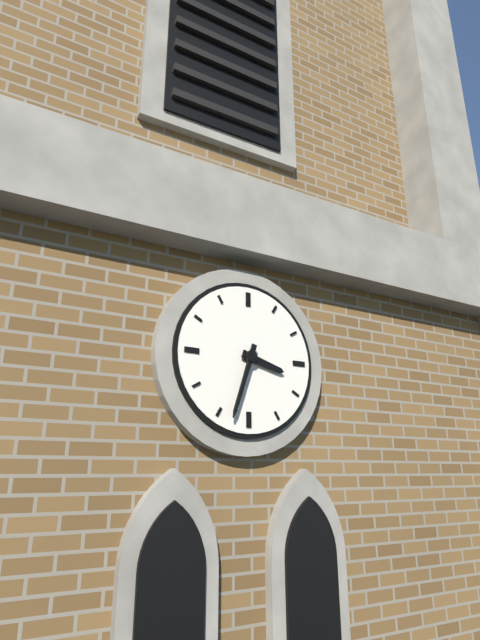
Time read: **3:33**
